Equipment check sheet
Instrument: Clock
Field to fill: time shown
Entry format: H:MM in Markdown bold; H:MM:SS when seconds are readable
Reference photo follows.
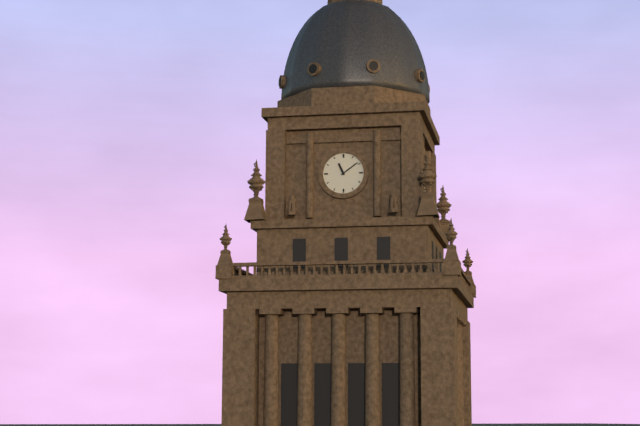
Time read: **11:09**
